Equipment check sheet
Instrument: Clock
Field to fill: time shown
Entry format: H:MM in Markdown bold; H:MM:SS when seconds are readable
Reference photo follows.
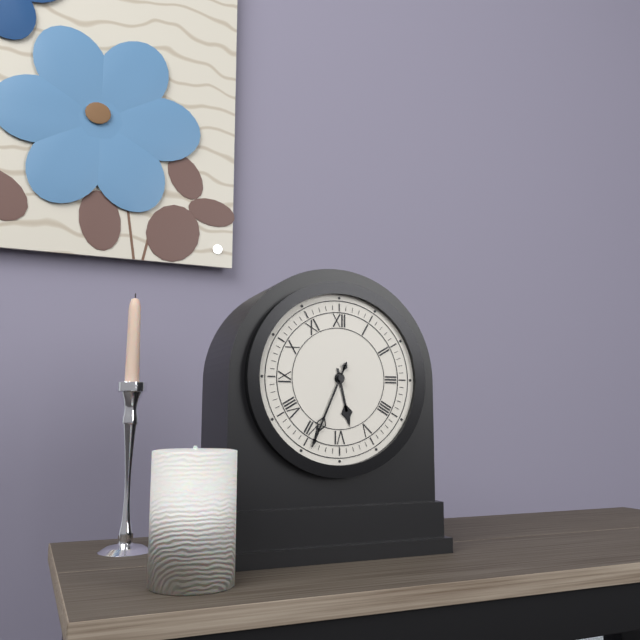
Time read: **5:34**
